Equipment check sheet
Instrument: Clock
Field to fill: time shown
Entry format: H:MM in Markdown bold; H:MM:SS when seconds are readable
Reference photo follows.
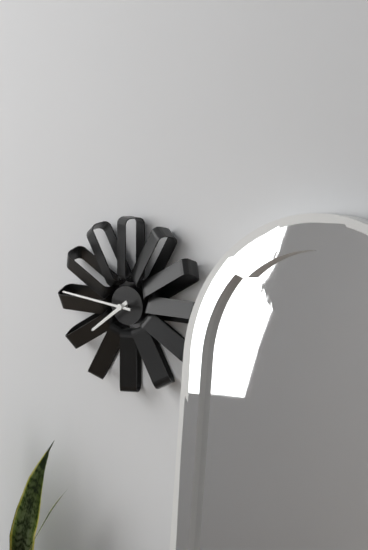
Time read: **7:46**
